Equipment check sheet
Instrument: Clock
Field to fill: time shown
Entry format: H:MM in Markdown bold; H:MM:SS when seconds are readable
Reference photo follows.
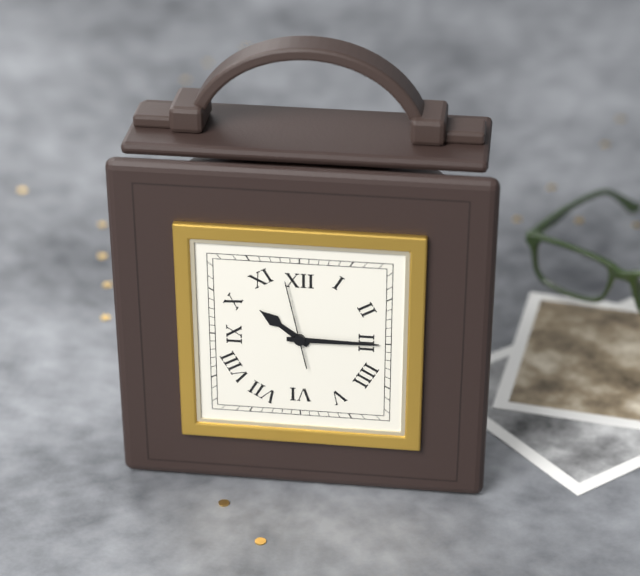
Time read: **10:15:58**
